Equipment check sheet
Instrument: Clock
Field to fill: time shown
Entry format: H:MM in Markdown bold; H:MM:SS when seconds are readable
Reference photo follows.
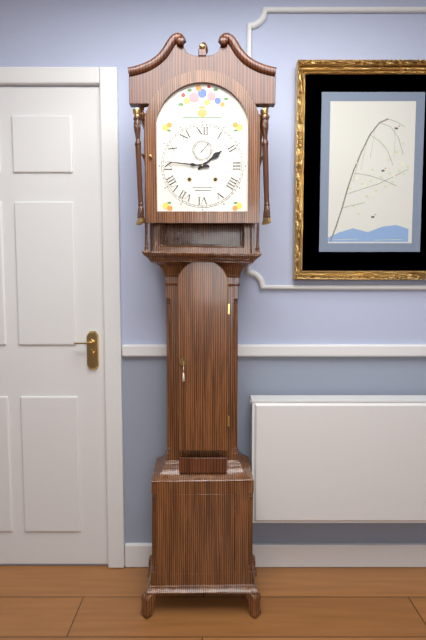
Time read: **1:46**
